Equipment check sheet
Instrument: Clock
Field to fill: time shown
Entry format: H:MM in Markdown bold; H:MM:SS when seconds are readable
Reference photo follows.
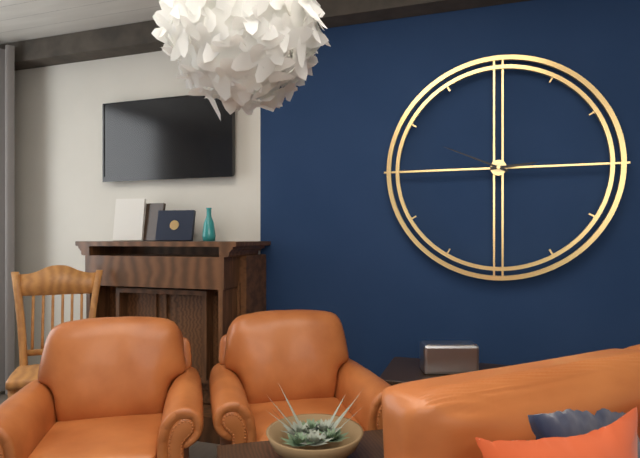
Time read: **2:49**
